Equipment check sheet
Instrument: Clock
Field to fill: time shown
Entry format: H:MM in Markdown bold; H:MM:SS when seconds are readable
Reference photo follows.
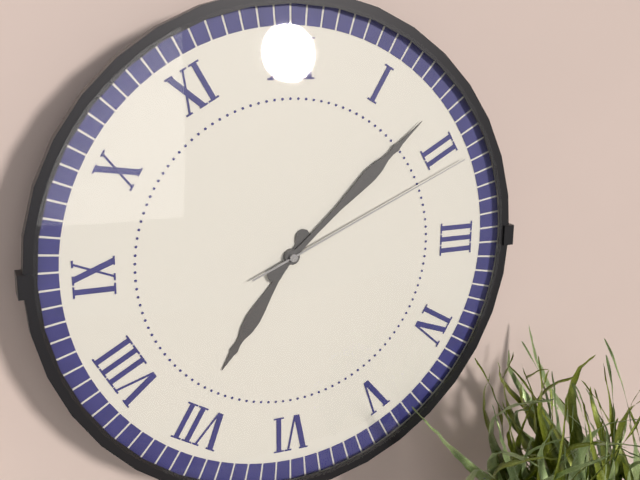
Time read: **7:08:11**
